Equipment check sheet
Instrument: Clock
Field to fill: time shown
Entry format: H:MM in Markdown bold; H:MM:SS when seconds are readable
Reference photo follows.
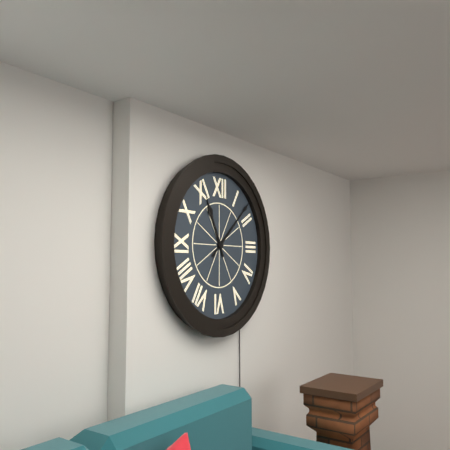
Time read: **11:08**
